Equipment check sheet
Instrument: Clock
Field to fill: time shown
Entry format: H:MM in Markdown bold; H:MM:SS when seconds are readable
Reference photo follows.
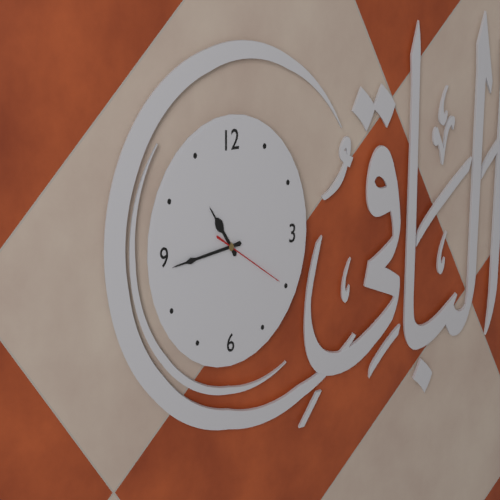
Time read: **10:44:20**
